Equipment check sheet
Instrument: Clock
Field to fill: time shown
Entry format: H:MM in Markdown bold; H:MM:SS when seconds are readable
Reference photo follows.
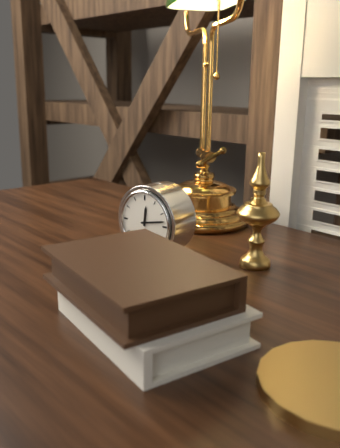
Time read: **12:13**
